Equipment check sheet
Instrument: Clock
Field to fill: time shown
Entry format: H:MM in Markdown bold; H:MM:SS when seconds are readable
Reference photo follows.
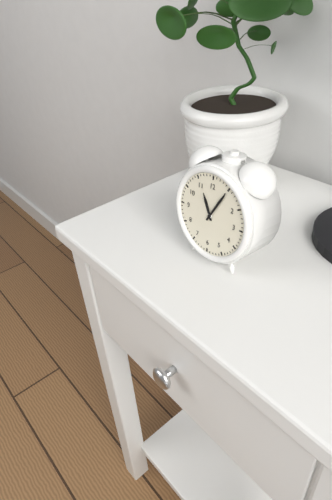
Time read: **11:05**
